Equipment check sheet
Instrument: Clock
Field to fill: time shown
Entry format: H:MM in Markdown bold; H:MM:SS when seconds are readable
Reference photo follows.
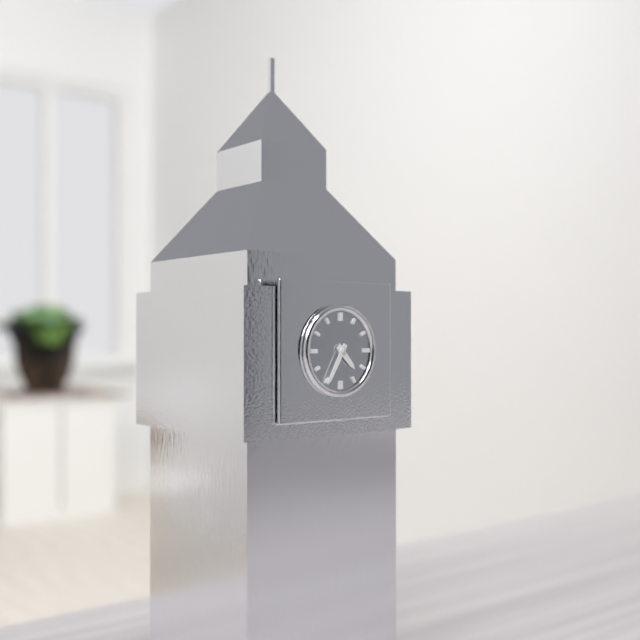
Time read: **4:35**
